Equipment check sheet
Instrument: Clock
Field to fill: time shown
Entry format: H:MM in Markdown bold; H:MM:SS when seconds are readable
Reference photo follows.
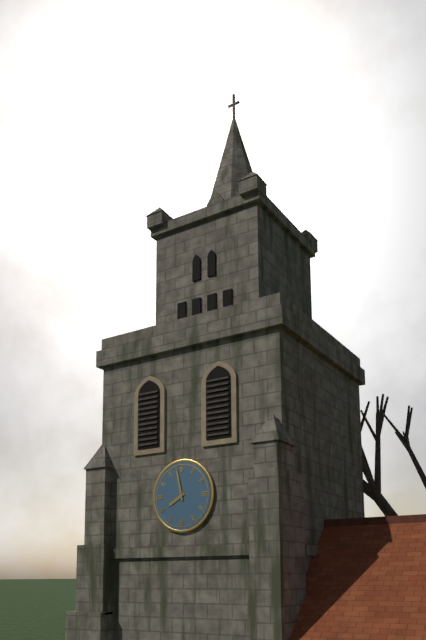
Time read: **7:58**
